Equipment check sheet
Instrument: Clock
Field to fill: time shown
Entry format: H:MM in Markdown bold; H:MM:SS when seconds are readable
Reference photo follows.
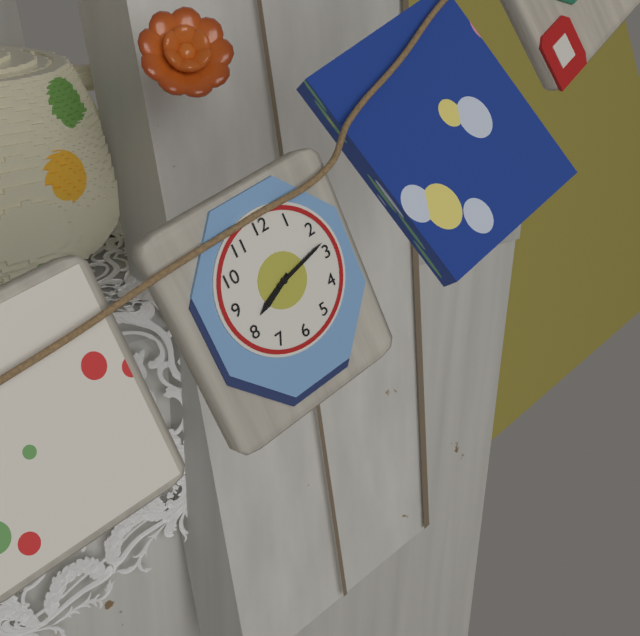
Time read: **8:13**
